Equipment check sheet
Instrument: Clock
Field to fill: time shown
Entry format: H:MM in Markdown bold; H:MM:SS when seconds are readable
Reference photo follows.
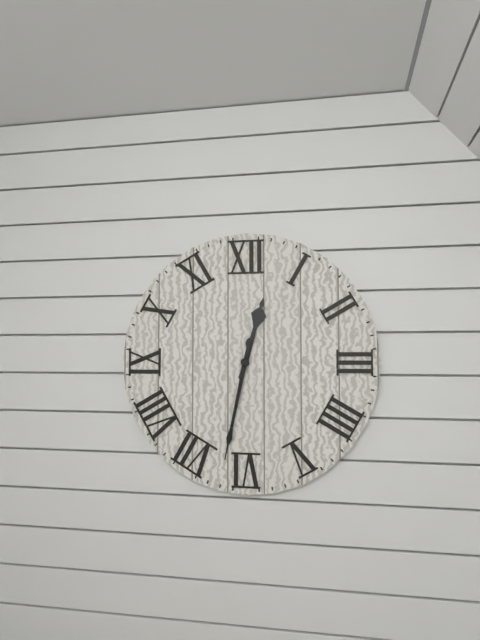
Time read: **12:32**
